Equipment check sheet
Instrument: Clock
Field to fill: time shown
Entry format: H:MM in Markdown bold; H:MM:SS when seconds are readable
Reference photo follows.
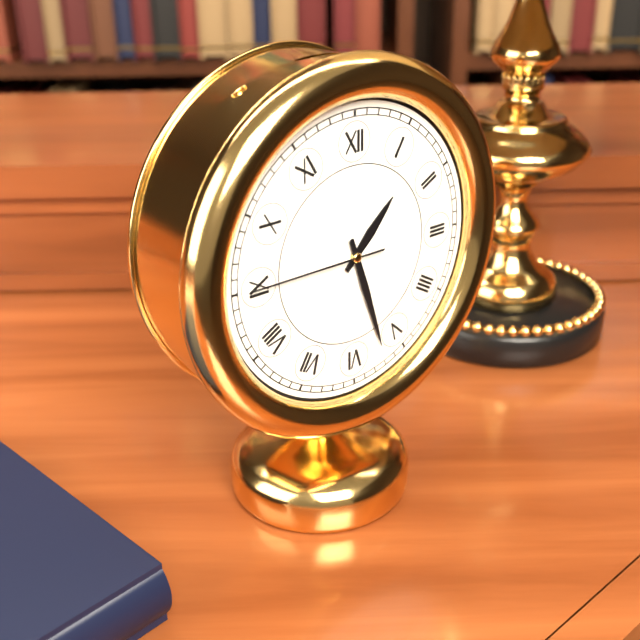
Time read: **1:27:45**
